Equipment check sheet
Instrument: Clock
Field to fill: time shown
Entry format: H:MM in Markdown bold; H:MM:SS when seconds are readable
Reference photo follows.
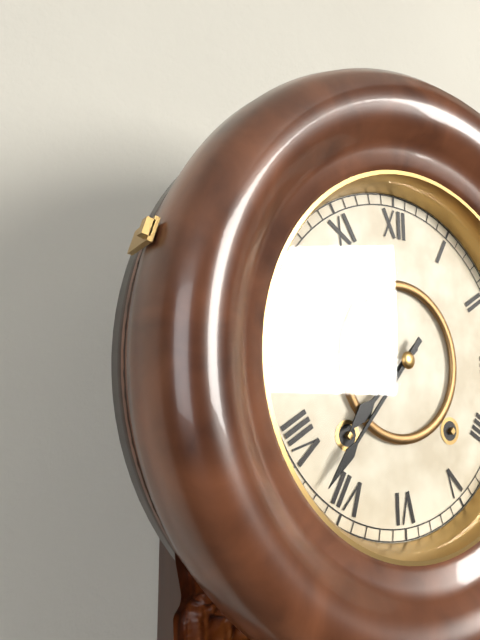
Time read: **7:37**
